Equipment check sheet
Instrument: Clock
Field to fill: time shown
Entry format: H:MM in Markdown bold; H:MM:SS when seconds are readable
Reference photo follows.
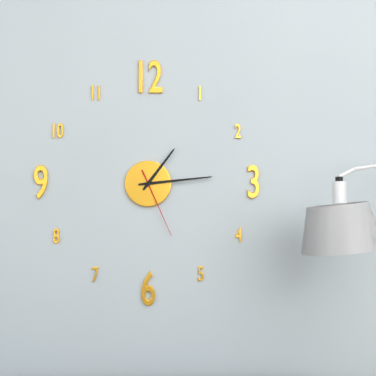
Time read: **1:14:26**
